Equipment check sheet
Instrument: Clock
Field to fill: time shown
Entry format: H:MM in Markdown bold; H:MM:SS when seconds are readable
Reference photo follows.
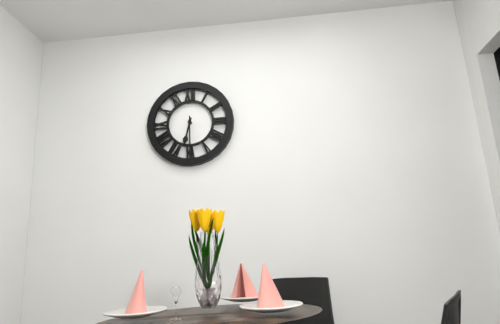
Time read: **6:30**
